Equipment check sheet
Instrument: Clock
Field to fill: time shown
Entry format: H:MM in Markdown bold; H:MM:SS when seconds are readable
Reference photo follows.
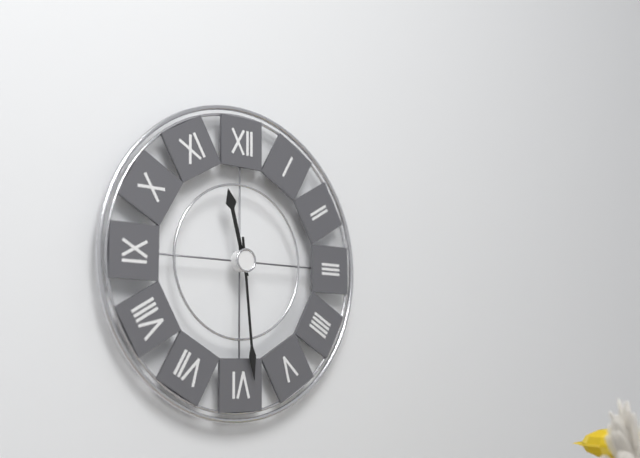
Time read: **11:29**
